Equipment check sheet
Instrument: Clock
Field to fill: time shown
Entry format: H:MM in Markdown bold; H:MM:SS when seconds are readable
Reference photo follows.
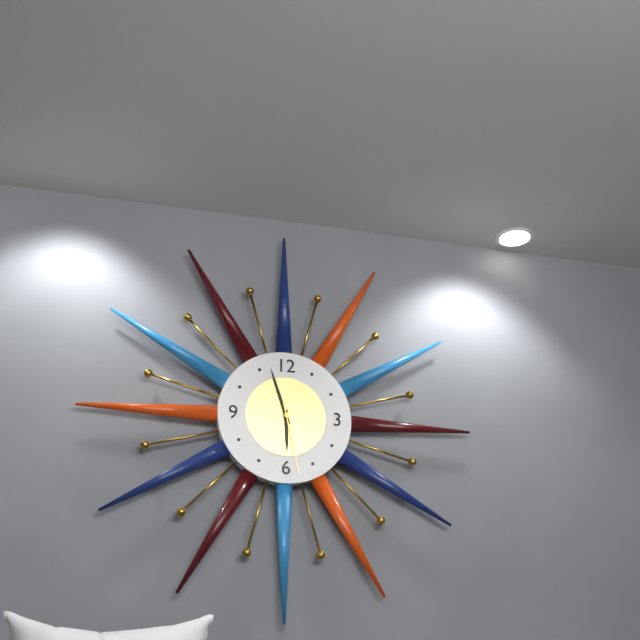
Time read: **5:57:28**
